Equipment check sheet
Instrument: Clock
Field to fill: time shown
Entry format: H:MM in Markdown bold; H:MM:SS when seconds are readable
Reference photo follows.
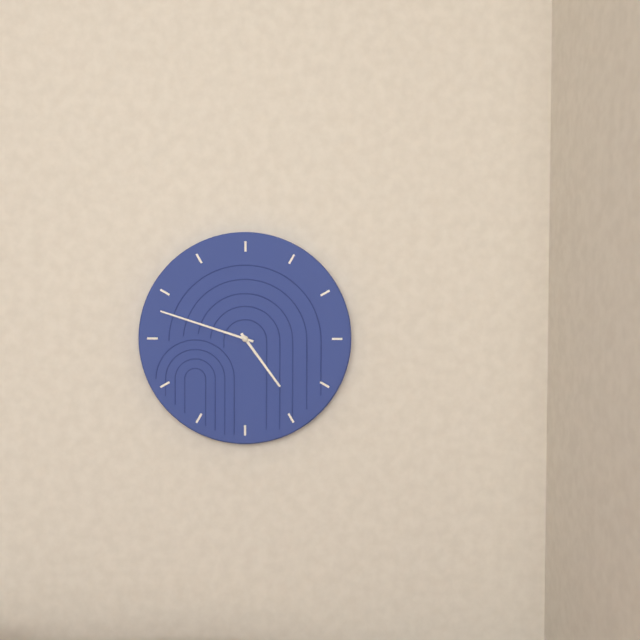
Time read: **4:48**
